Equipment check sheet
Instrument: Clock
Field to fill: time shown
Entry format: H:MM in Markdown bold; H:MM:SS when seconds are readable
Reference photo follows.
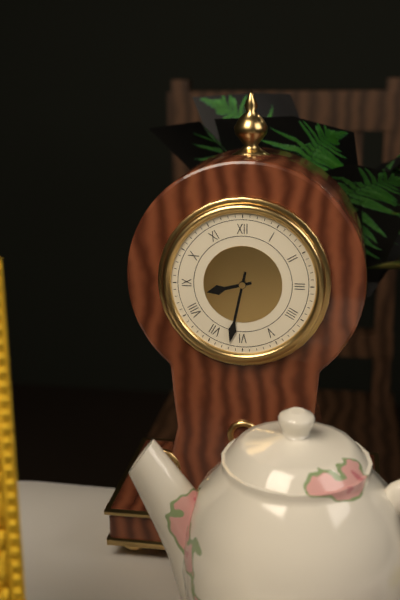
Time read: **8:32**
